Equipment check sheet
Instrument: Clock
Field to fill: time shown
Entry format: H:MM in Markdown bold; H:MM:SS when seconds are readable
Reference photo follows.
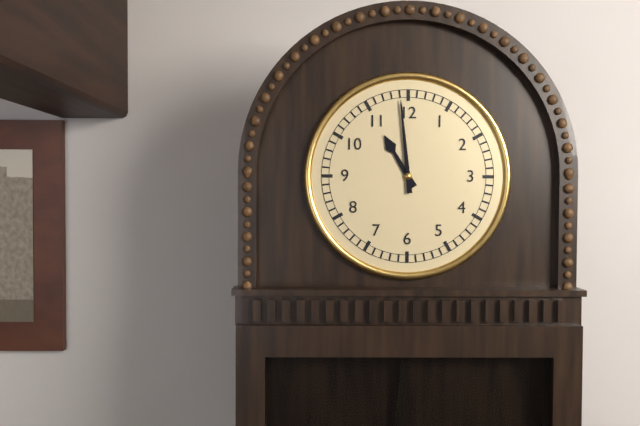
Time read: **10:59**
